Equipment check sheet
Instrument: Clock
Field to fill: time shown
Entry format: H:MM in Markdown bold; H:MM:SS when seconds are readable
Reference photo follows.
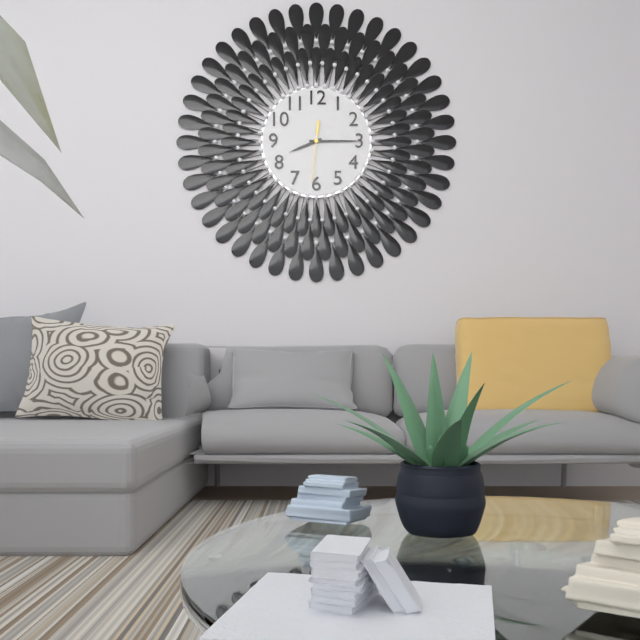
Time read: **8:15:31**
